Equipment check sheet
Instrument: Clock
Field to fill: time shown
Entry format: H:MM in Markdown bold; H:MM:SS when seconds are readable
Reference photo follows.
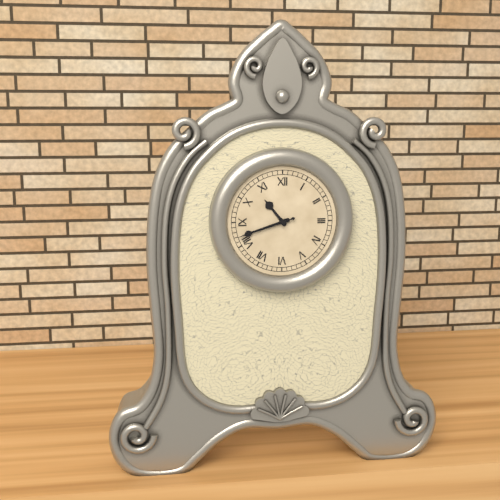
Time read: **10:42:42**
